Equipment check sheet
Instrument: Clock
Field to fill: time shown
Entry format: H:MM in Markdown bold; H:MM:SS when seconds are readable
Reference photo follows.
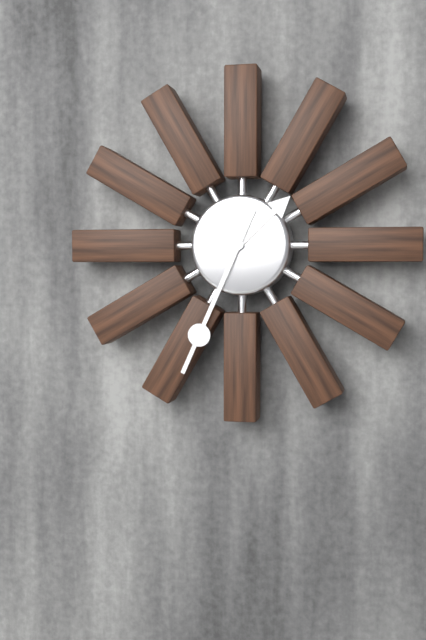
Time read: **1:34**
